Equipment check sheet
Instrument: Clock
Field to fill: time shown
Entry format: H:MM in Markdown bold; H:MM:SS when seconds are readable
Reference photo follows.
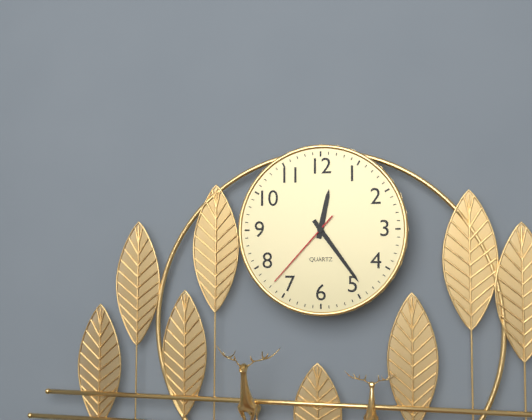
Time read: **12:24:37**
